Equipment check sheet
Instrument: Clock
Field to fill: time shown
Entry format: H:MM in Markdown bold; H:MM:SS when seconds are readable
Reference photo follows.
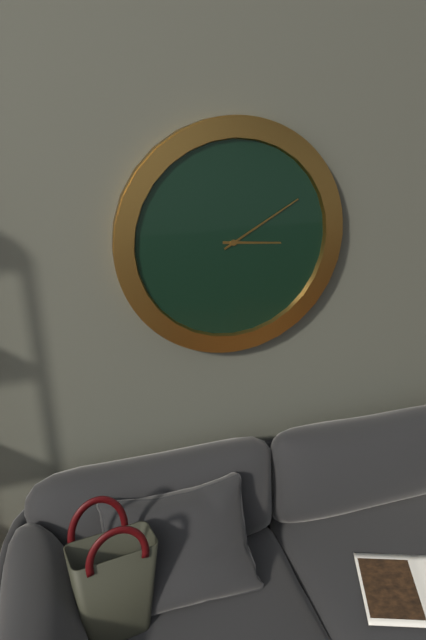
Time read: **3:10**
